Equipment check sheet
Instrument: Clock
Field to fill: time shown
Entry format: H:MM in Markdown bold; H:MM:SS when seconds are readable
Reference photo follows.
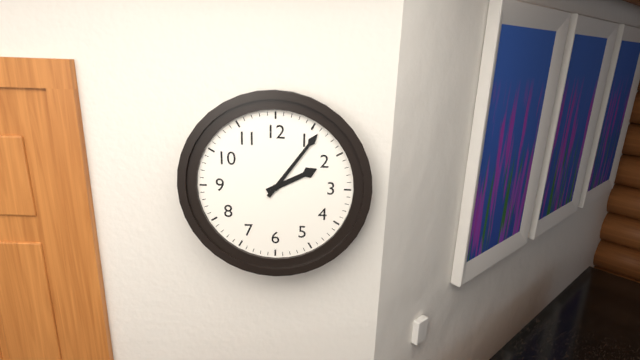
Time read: **2:06**
